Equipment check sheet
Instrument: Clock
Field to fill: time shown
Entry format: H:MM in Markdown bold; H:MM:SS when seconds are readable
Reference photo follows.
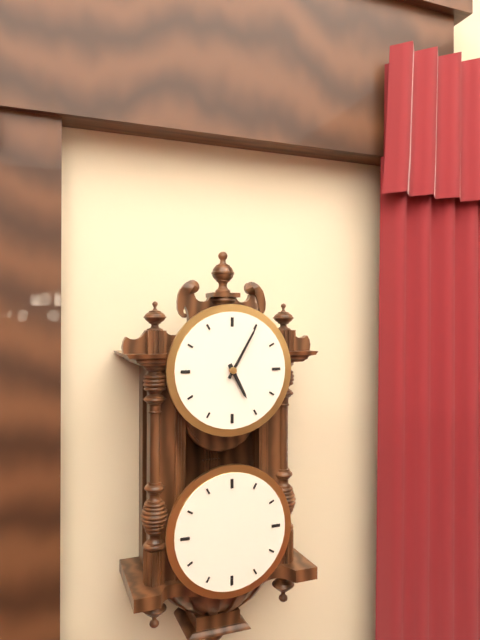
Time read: **5:05**
